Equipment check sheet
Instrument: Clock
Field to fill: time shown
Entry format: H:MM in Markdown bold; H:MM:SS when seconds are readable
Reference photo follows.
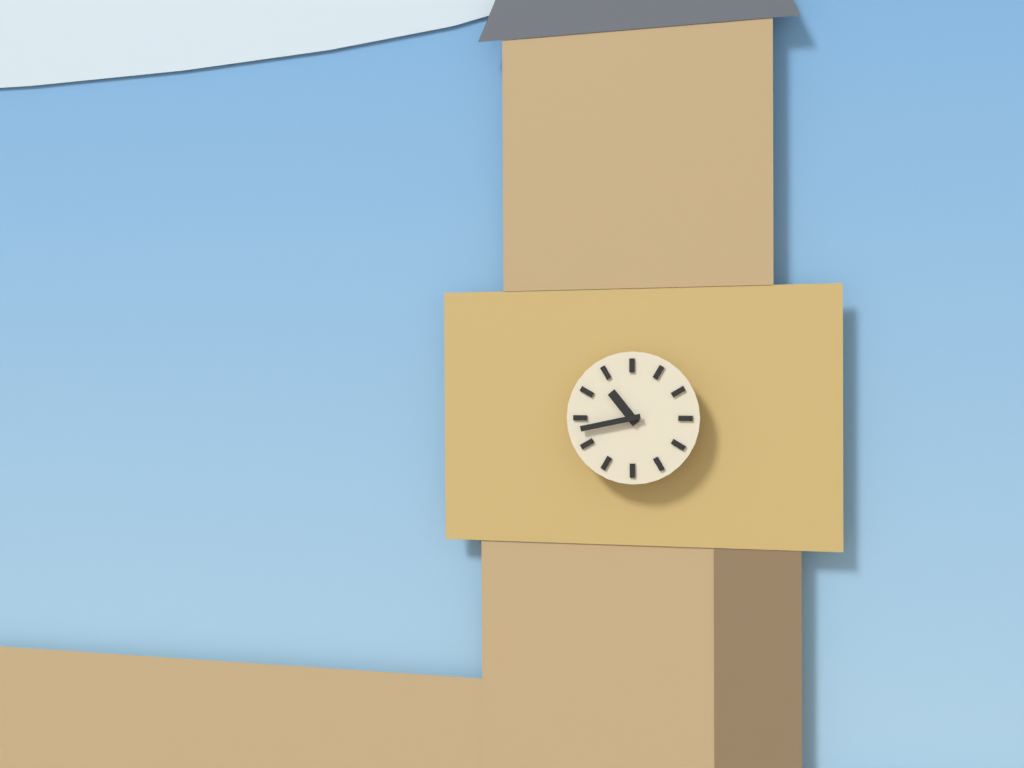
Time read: **10:43**
